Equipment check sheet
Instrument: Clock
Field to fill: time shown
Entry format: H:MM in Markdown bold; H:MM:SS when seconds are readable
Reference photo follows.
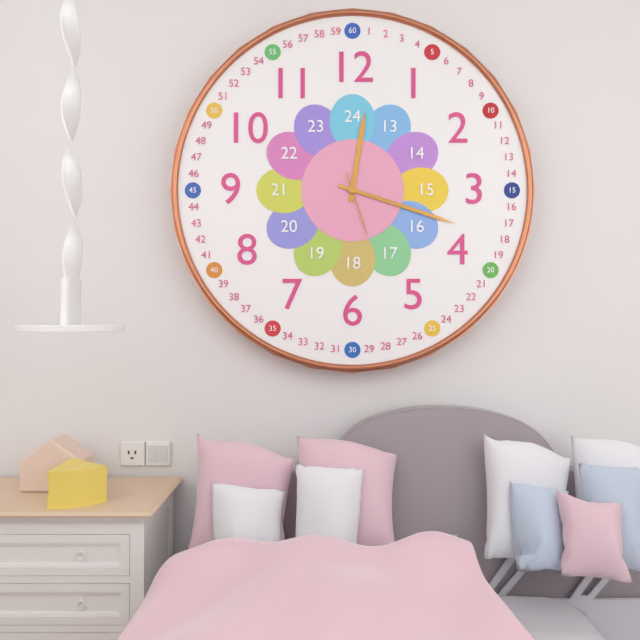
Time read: **12:18:27**
